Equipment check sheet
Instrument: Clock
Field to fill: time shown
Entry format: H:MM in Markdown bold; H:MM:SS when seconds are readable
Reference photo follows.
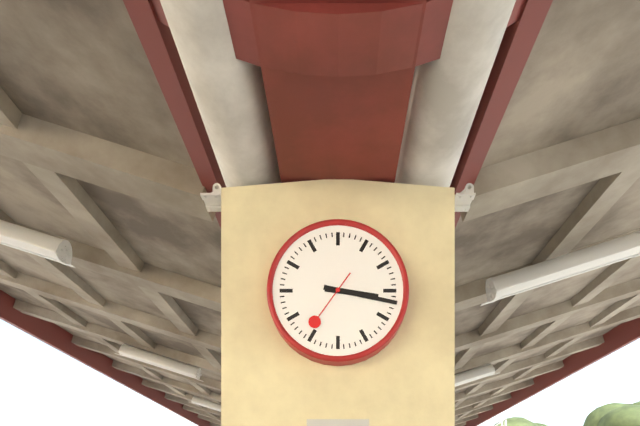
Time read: **3:17:36**
